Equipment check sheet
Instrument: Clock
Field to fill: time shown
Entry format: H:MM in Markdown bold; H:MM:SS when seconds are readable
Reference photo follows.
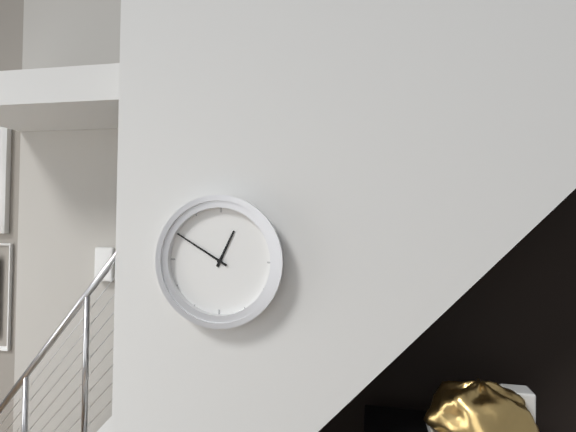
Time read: **12:50**
